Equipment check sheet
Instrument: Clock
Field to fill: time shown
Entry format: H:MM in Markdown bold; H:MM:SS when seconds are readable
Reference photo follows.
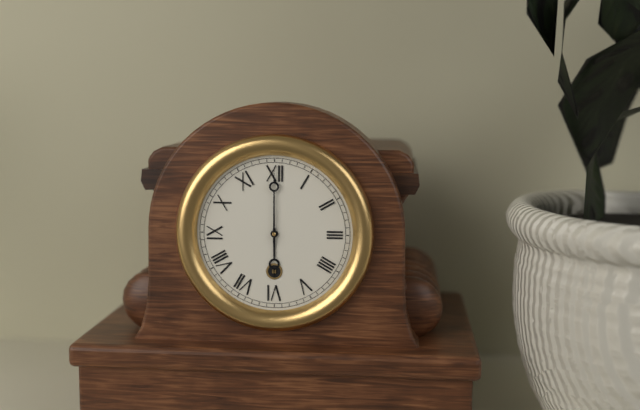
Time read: **6:00**
